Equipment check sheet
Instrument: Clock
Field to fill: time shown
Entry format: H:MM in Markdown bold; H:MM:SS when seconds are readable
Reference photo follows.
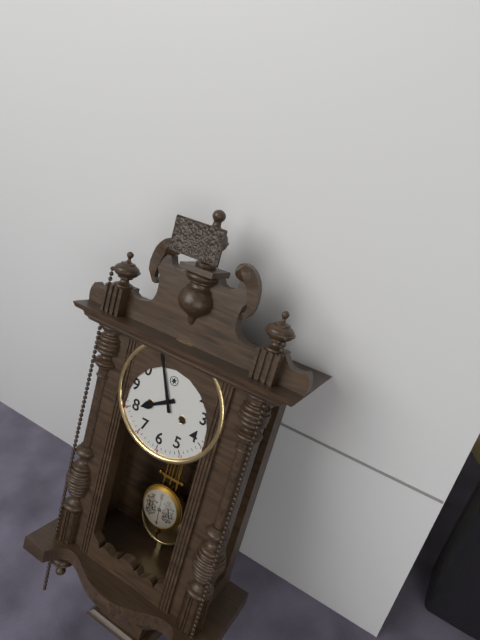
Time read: **7:56**
